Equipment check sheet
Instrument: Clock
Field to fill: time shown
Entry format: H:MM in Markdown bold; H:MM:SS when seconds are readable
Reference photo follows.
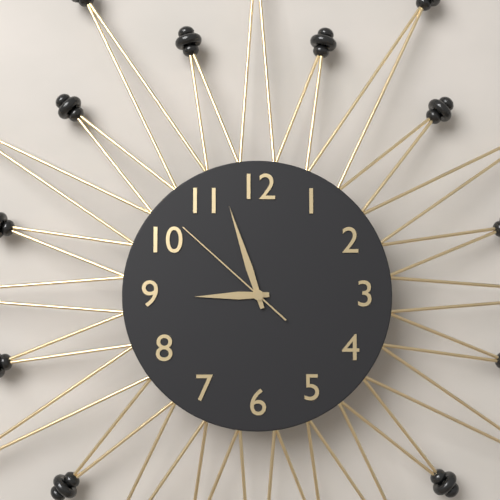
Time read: **8:57:52**
